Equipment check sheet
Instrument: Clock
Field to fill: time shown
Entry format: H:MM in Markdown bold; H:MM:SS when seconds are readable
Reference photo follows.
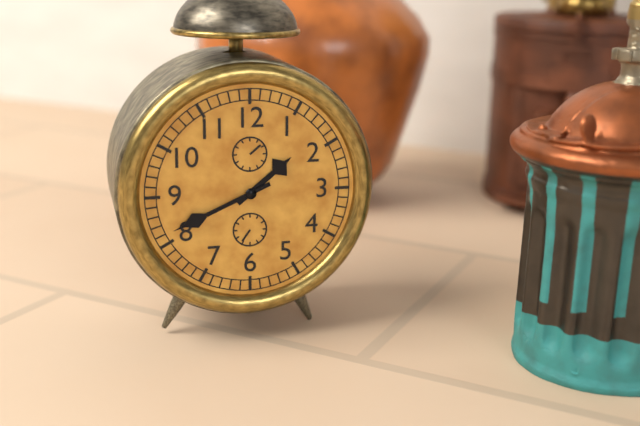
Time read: **1:41**
